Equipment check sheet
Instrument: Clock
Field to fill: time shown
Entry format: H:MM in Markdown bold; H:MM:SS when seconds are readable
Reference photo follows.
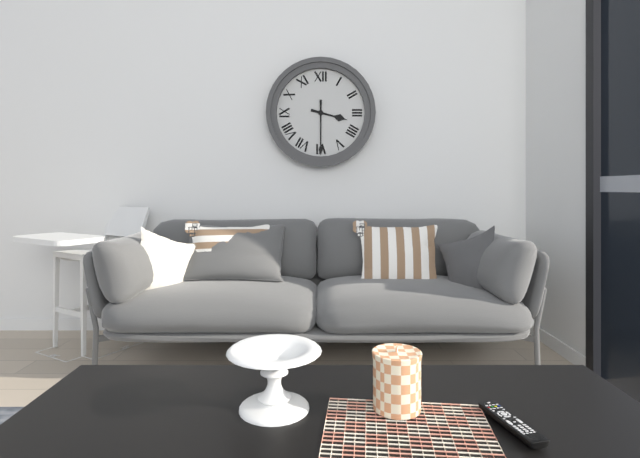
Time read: **3:30**
